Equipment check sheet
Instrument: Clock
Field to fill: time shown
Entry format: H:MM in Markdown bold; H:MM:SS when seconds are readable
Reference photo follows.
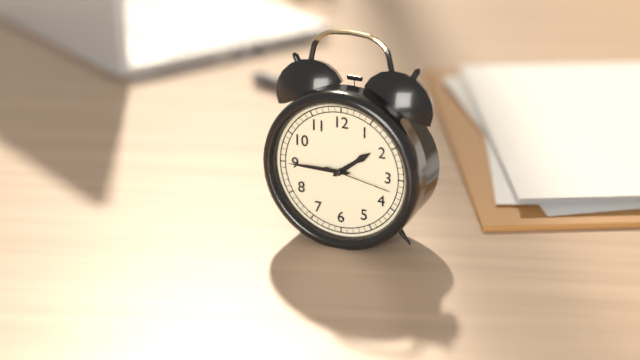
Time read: **1:45:17**
